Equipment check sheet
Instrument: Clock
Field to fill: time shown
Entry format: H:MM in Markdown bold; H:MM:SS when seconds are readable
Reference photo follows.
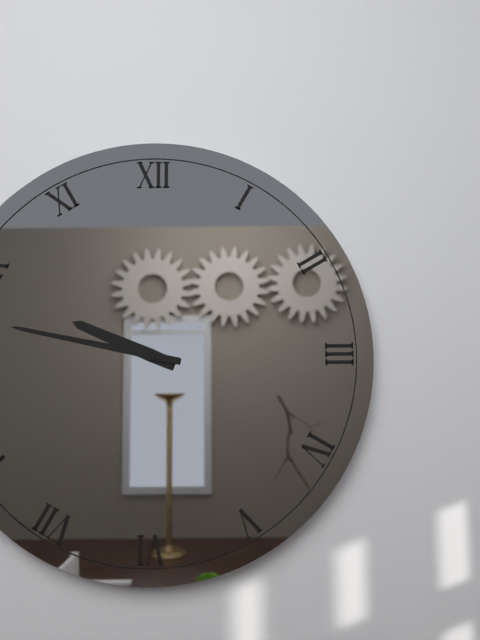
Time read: **9:47**
